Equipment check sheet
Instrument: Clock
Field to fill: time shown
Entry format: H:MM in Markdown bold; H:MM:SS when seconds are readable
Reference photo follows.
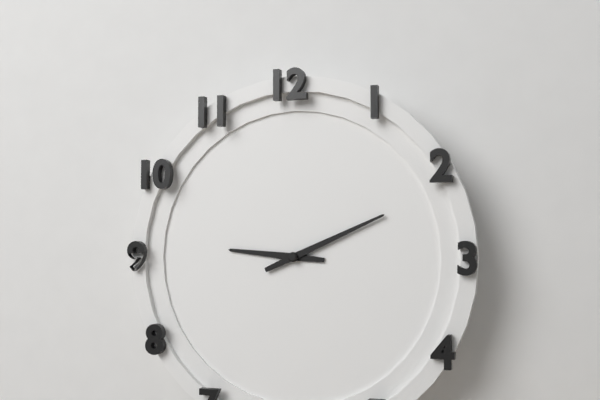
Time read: **9:11**
